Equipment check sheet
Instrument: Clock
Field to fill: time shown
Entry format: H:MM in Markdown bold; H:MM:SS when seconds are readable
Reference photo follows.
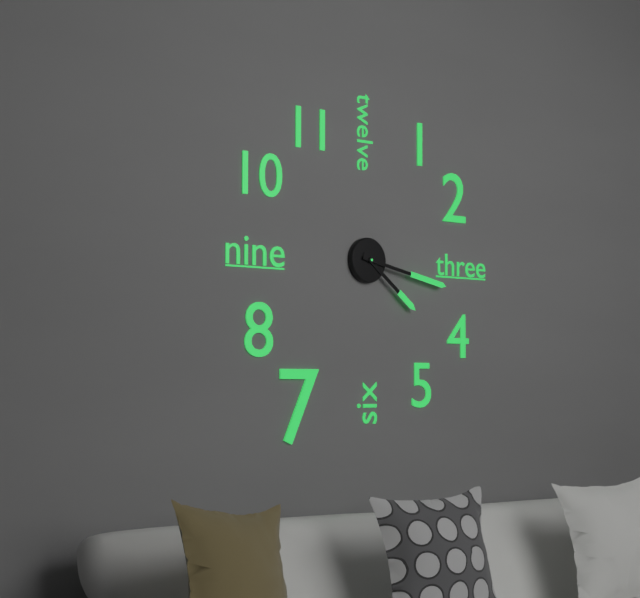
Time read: **4:17**
